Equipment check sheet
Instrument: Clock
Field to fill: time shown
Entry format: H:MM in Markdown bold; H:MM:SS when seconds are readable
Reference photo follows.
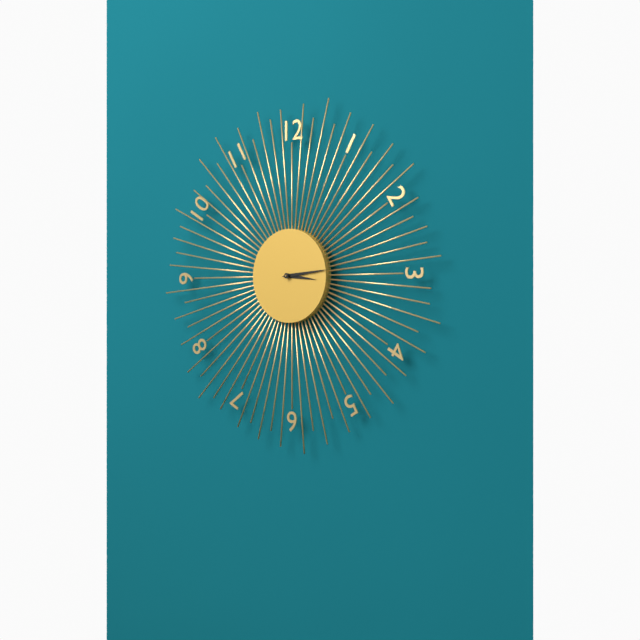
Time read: **3:14**
